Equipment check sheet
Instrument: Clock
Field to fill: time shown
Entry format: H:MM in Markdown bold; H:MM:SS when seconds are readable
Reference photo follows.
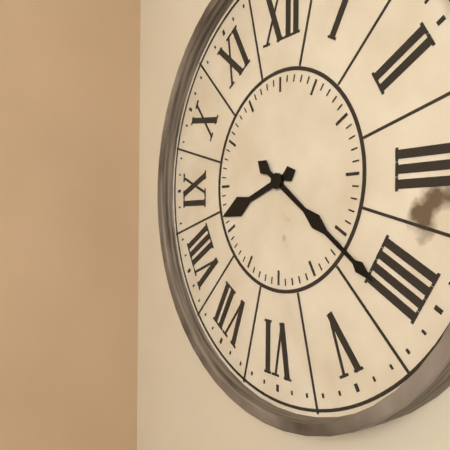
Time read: **8:21**
